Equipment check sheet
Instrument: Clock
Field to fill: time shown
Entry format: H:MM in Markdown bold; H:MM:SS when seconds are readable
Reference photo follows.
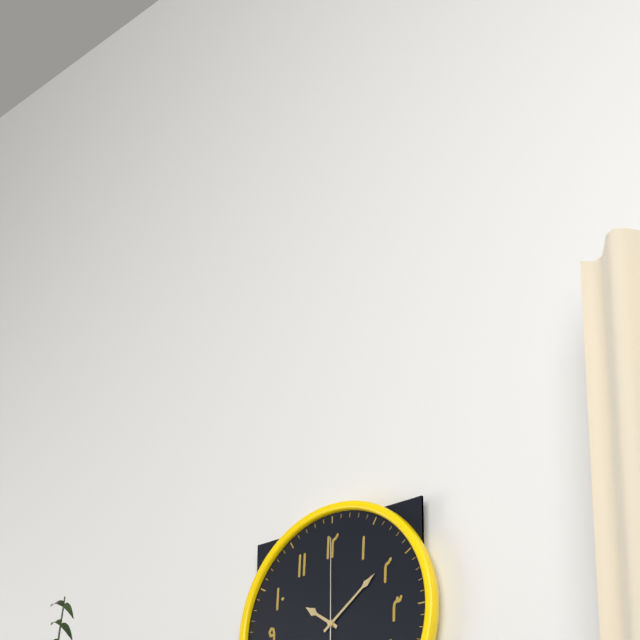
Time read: **10:09:00**
